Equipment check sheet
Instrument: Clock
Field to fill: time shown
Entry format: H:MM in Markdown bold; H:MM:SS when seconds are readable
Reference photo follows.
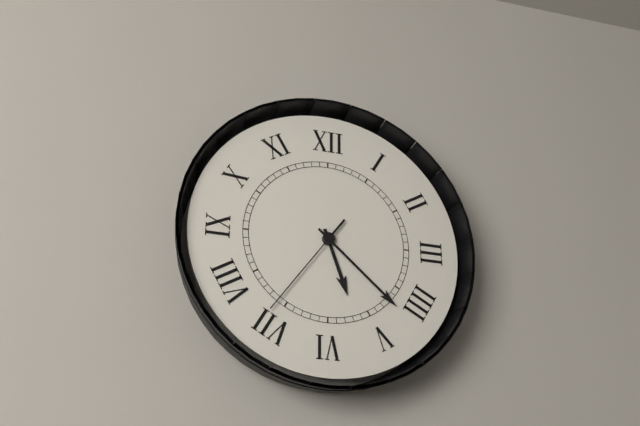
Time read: **5:22:36**
